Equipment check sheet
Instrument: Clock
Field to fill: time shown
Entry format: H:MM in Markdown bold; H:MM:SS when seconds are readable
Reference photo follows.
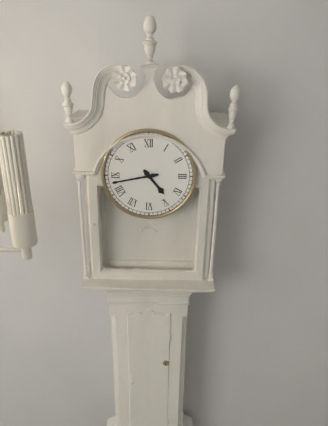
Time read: **4:43**
